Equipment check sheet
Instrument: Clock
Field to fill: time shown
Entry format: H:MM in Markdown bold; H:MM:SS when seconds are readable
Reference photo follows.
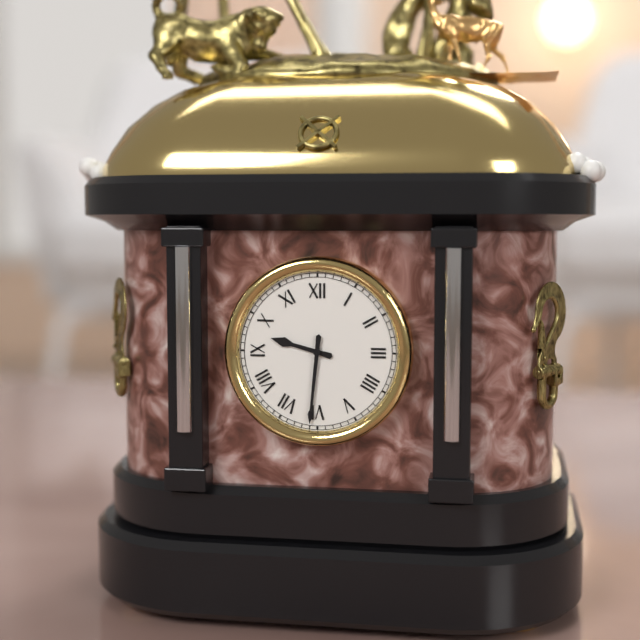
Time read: **9:31**
